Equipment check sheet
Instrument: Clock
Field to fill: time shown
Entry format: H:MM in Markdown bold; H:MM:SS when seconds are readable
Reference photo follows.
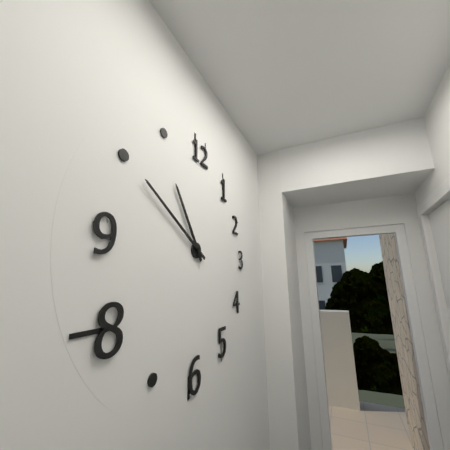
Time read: **10:50**
